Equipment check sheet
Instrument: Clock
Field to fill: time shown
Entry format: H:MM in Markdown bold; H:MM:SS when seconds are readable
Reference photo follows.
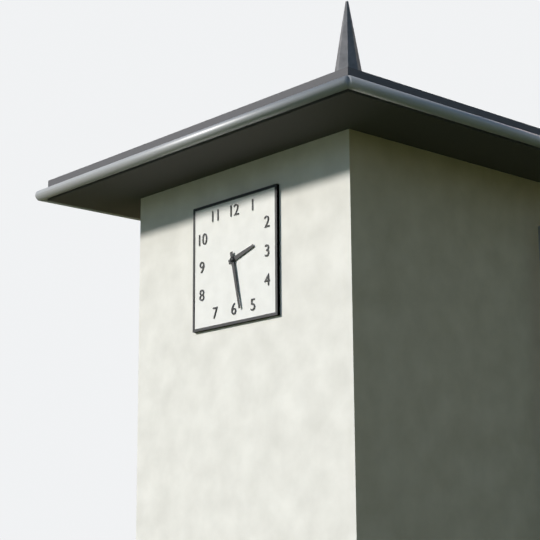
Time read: **2:28**
